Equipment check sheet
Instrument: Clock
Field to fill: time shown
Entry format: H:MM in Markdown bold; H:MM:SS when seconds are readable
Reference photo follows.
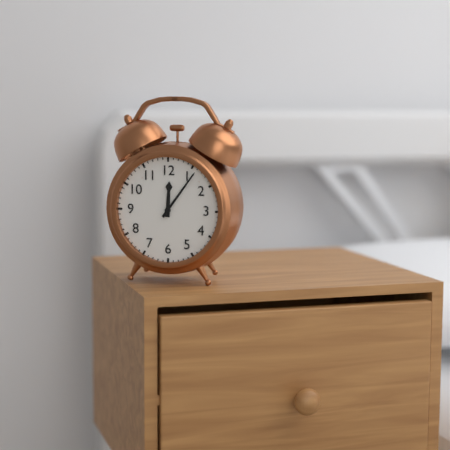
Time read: **12:06**
